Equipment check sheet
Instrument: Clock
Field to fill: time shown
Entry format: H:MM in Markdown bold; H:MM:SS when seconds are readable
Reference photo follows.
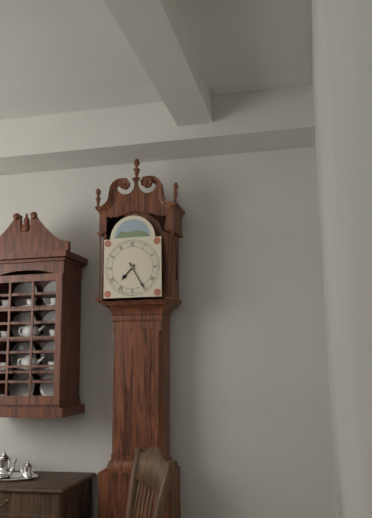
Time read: **7:25**
